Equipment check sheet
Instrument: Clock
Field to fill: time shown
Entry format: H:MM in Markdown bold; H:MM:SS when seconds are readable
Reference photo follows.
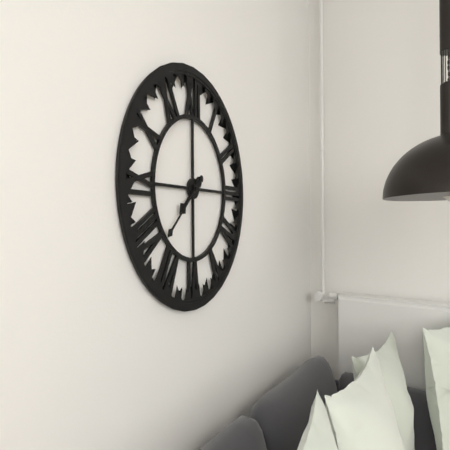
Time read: **7:38**
